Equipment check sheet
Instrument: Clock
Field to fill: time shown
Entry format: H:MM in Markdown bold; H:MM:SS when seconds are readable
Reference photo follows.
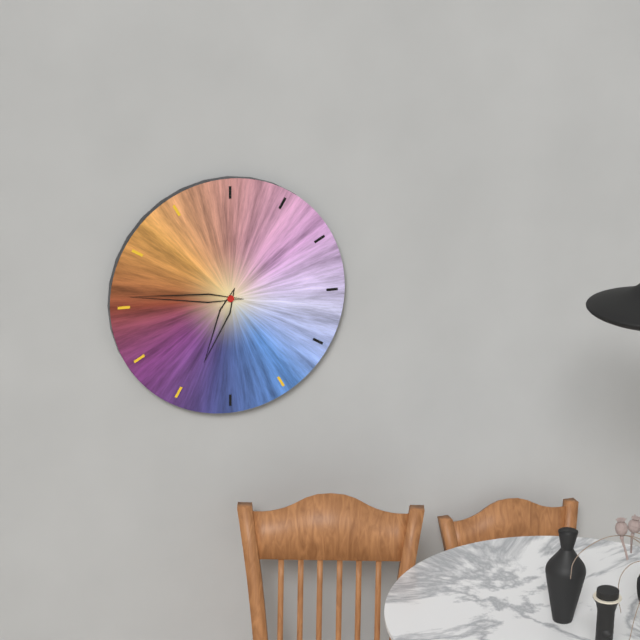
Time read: **6:46**
